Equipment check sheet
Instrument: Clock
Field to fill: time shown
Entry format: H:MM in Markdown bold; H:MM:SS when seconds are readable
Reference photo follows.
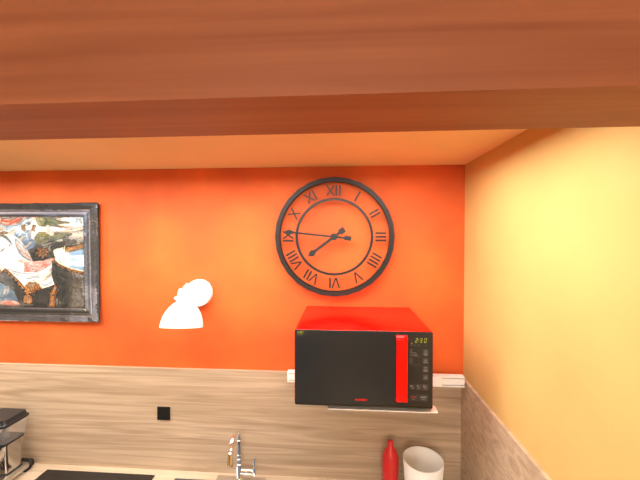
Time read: **7:46**
